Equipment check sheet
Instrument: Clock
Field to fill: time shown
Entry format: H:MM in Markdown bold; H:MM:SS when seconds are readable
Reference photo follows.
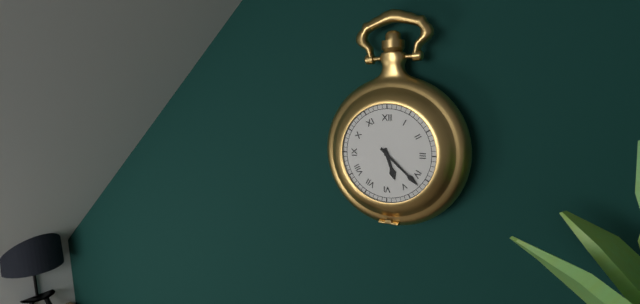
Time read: **5:22**
